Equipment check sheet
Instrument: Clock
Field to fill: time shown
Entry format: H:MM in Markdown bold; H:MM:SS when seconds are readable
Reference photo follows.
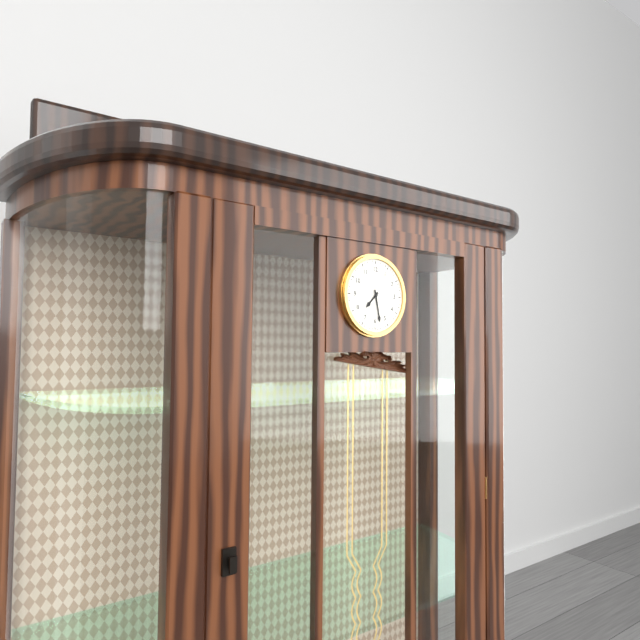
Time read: **7:28**
